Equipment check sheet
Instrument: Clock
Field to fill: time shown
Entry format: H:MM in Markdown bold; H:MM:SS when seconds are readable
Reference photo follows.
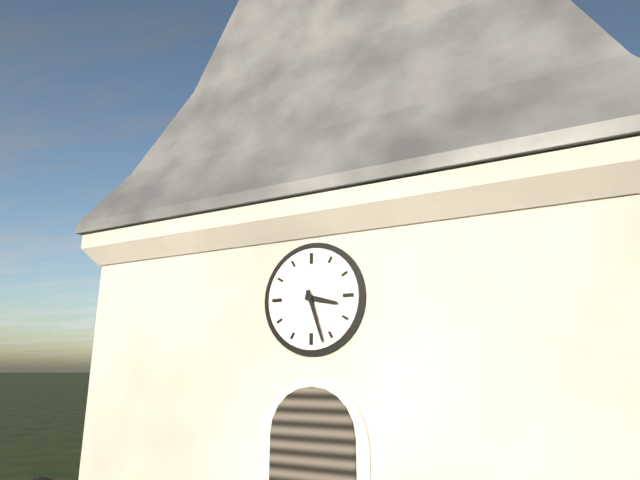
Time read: **3:27**
